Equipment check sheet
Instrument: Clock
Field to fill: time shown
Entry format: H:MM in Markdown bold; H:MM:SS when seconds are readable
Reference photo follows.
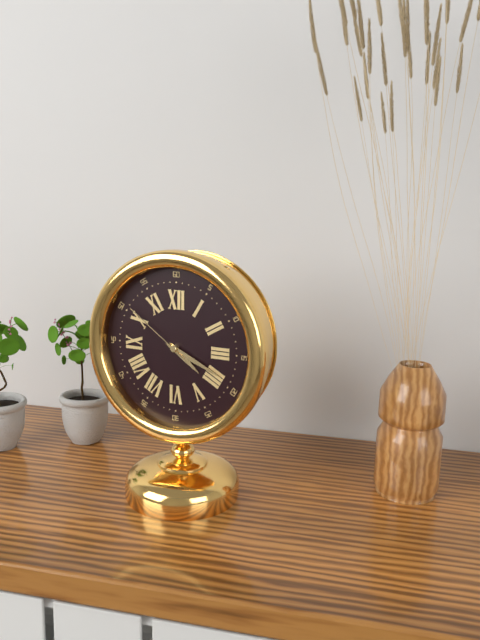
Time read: **4:19:51**
